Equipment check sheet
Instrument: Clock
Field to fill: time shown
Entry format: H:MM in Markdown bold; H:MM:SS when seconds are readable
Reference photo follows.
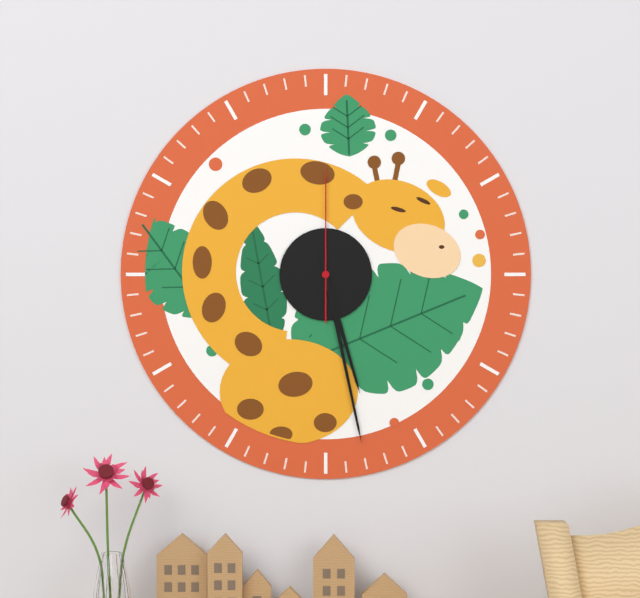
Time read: **5:28:00**
